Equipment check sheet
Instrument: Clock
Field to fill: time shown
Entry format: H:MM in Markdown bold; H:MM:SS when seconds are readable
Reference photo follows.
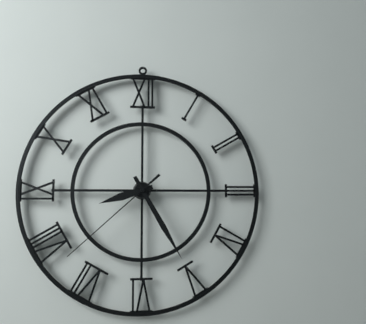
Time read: **8:25:38**
